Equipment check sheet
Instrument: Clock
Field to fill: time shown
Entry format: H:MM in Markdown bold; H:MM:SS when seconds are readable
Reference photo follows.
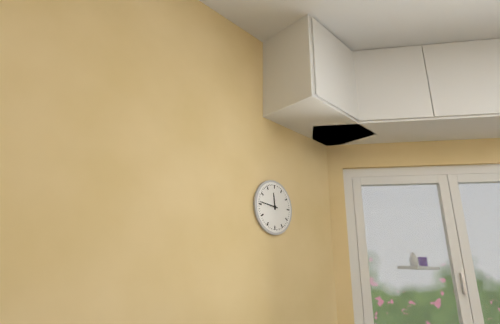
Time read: **11:46**
